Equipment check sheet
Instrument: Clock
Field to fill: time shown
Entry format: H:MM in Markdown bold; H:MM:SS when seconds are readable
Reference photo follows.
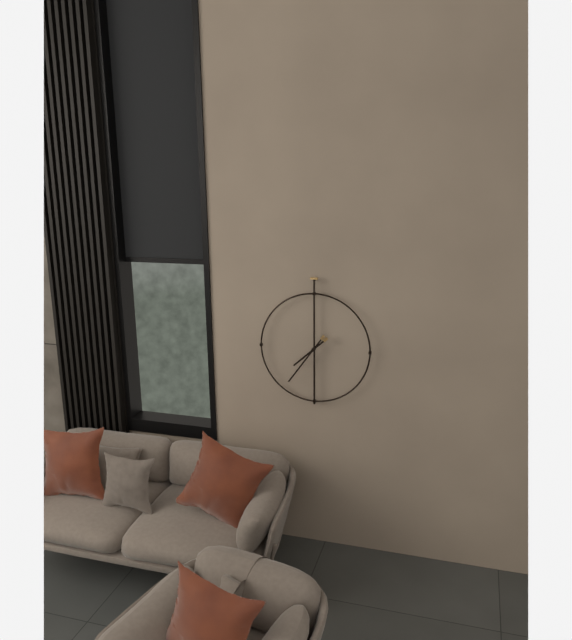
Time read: **7:36**
